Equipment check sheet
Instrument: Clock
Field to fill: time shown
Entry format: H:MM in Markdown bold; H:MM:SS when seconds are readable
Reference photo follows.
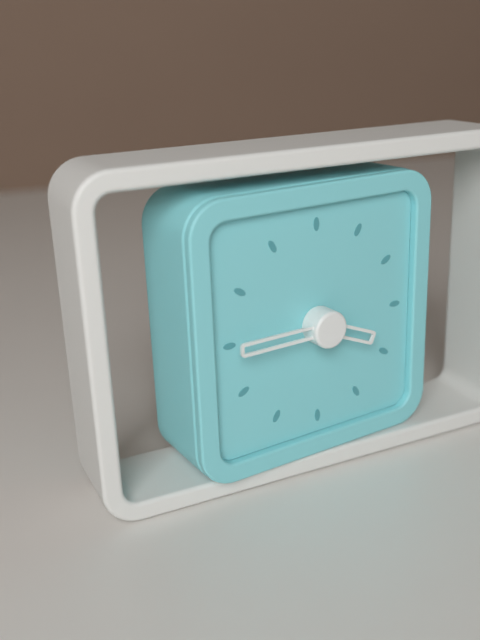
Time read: **3:45**
